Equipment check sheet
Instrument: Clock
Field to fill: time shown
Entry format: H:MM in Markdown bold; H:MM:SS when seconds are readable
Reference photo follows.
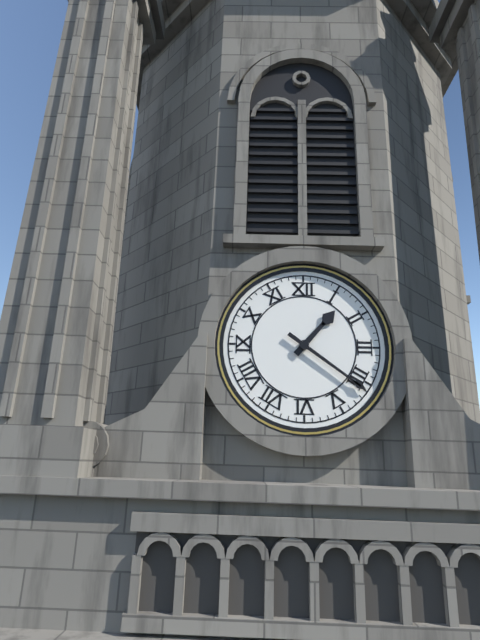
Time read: **1:21**
